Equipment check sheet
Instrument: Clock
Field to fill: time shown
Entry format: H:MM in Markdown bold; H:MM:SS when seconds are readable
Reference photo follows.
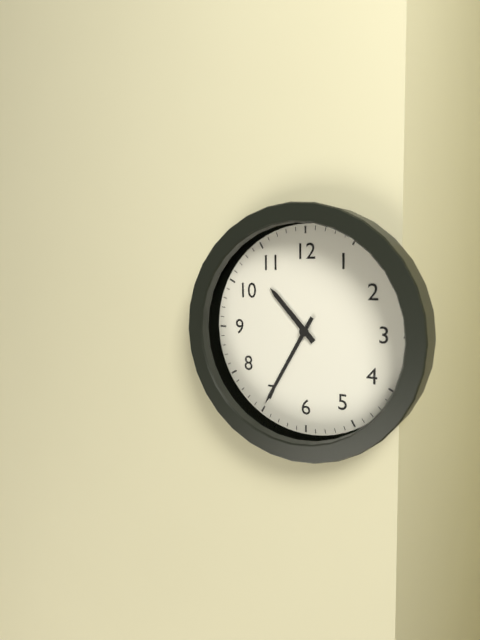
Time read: **10:35**
